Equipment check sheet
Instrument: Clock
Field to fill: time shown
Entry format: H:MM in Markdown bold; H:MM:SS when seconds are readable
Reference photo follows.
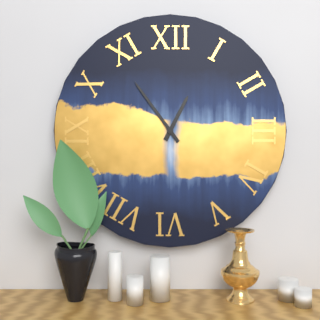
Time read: **12:54**
